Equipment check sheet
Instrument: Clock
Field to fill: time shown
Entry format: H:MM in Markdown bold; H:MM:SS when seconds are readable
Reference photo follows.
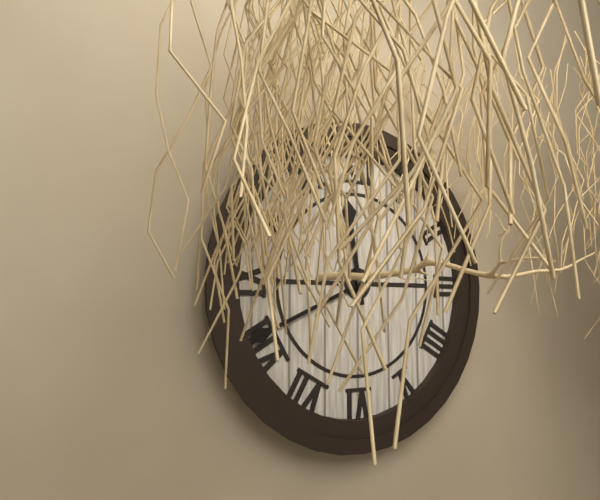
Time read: **11:41**
